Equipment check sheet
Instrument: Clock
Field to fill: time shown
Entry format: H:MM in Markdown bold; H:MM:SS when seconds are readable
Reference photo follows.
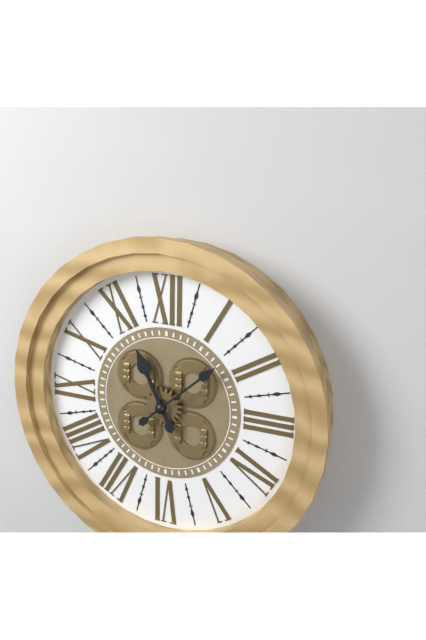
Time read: **11:08**
